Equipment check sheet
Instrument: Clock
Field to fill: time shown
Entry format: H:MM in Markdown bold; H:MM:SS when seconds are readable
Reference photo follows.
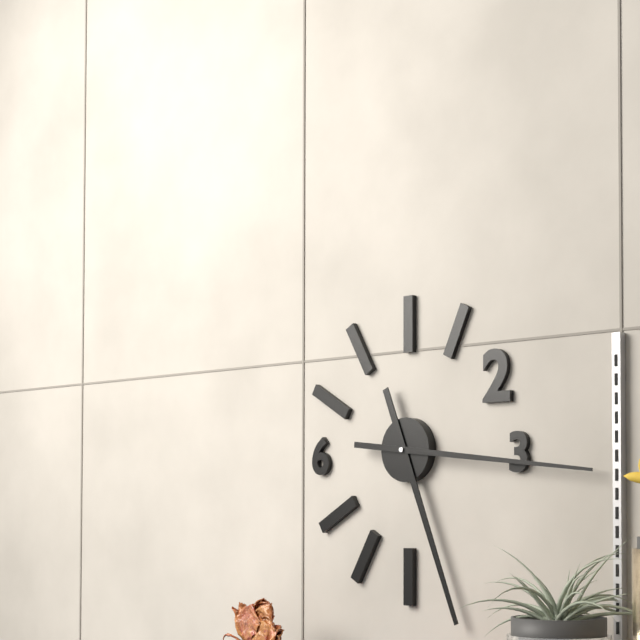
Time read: **5:16**
